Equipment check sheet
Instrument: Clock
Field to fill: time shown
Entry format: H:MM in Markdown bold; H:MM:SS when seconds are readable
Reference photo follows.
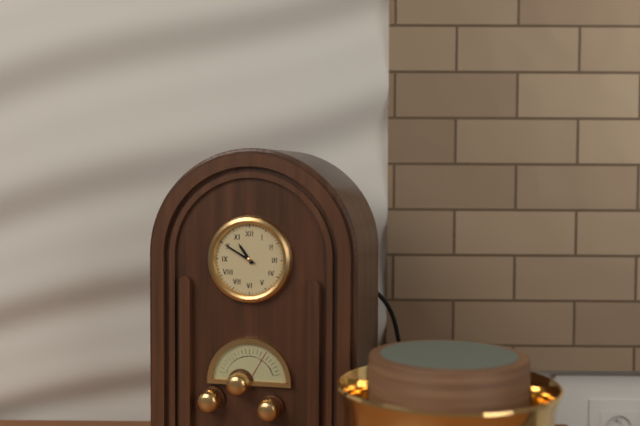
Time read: **10:50**
